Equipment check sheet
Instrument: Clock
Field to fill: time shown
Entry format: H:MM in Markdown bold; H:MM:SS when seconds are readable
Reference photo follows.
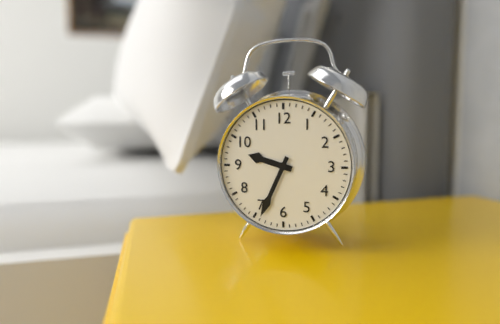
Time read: **9:34**
